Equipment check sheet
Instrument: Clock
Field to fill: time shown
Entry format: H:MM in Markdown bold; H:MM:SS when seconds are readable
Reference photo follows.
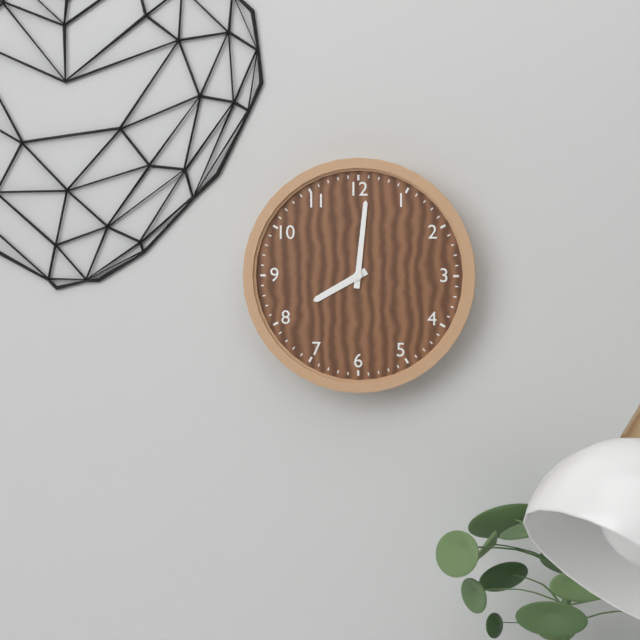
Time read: **8:01**
